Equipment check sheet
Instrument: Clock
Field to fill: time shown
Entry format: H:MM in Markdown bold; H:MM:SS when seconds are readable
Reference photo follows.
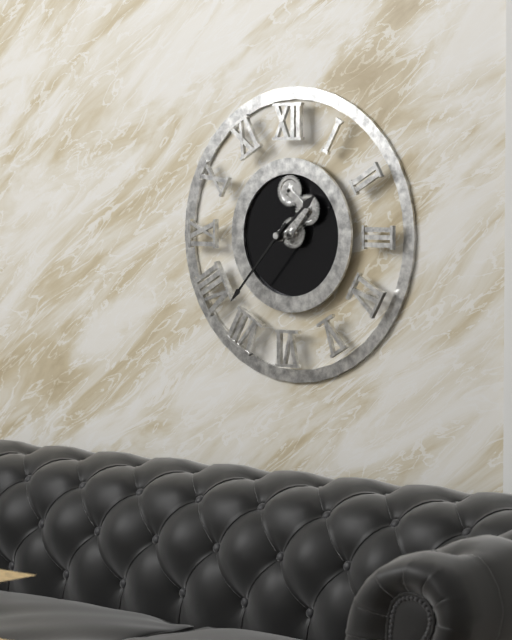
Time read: **1:37**
